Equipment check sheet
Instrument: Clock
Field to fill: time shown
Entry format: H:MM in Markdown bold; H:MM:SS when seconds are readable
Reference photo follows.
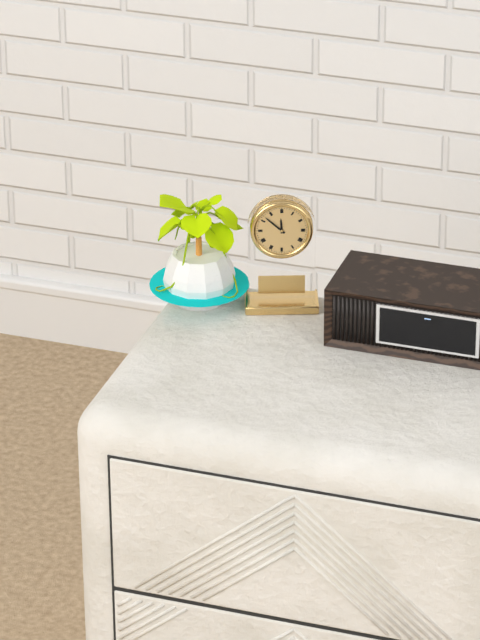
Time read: **11:52**
